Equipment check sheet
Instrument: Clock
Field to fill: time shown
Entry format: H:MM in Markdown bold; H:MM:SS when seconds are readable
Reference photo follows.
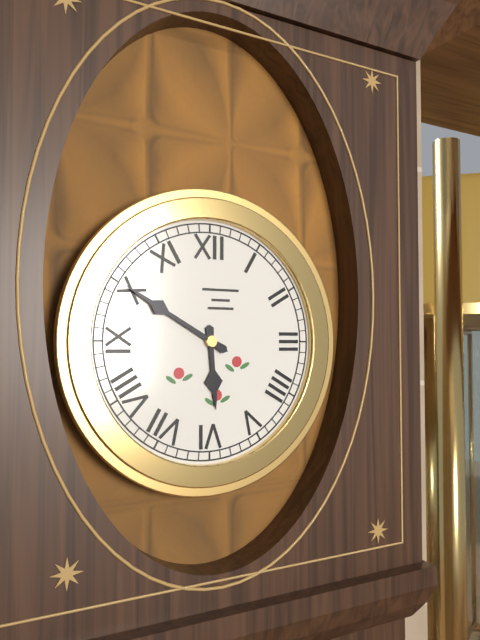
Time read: **5:50**
